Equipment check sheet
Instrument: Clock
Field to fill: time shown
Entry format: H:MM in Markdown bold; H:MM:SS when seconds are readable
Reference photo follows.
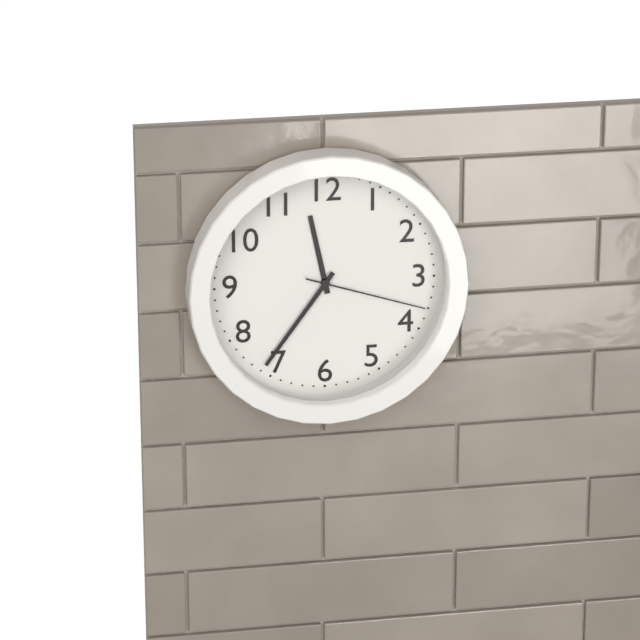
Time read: **11:36:18**
